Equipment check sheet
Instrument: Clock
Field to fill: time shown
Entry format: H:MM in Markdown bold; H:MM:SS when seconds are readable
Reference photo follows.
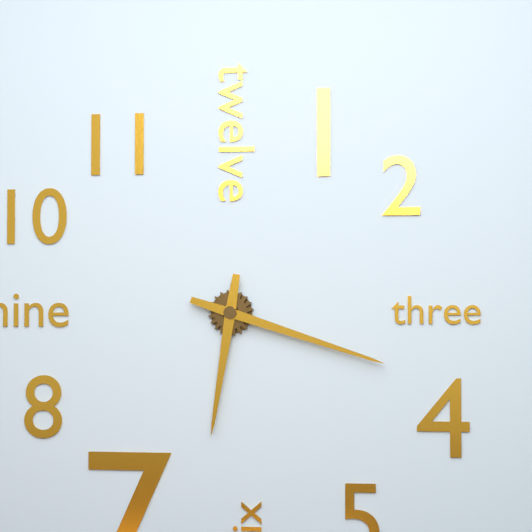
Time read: **6:18**
